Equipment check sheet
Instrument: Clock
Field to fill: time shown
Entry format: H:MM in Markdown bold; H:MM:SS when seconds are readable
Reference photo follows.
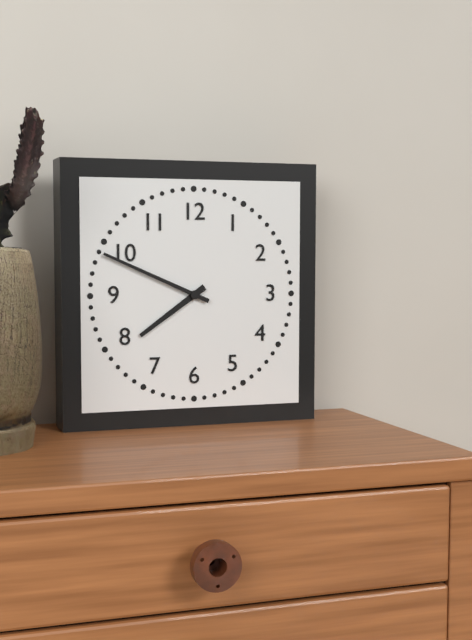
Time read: **7:49**
